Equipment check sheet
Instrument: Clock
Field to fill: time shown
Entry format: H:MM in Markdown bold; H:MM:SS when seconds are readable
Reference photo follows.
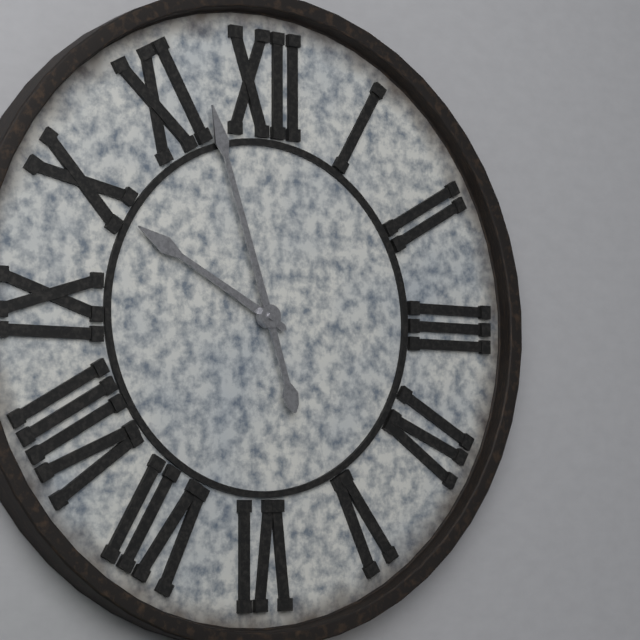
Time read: **9:57**
